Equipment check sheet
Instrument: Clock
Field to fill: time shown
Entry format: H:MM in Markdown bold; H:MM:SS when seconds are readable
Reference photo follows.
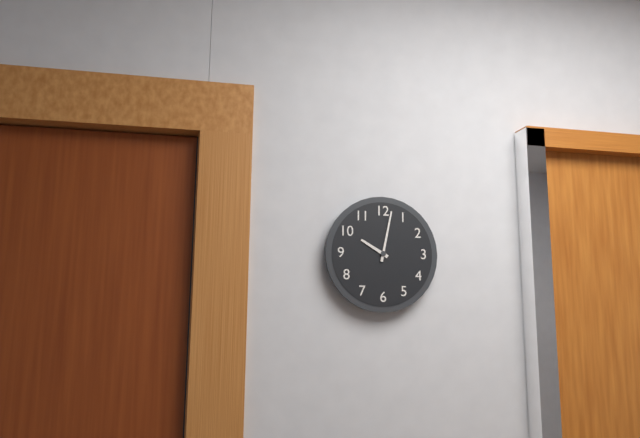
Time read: **10:02**
